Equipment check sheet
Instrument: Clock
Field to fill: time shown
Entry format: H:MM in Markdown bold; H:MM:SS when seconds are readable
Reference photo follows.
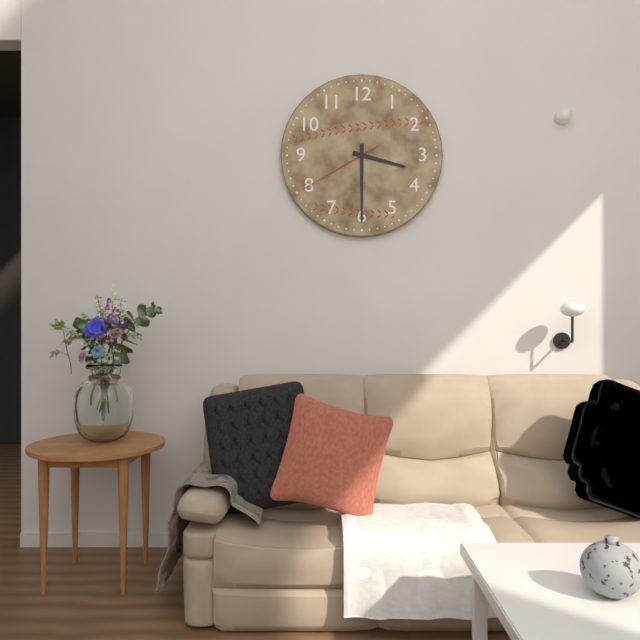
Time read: **3:30:40**
